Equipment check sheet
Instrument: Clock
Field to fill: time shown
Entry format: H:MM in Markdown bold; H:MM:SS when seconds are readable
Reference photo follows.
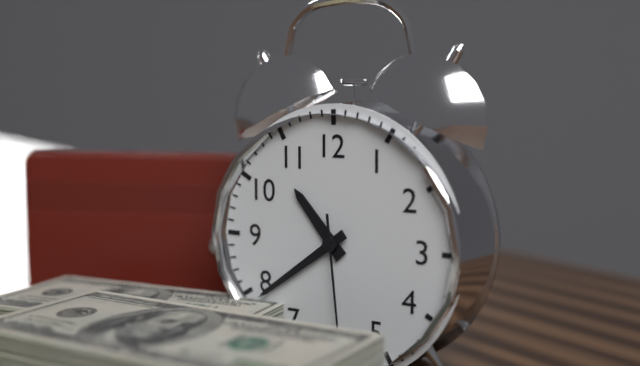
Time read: **10:39**
